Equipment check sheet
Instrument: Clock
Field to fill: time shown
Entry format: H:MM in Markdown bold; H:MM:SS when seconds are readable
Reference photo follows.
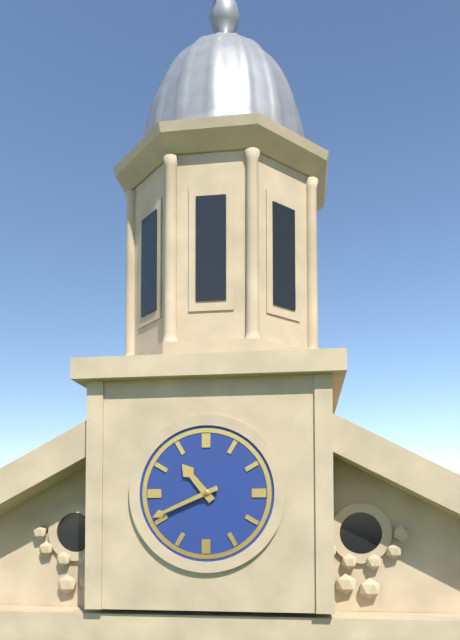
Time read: **10:41**
